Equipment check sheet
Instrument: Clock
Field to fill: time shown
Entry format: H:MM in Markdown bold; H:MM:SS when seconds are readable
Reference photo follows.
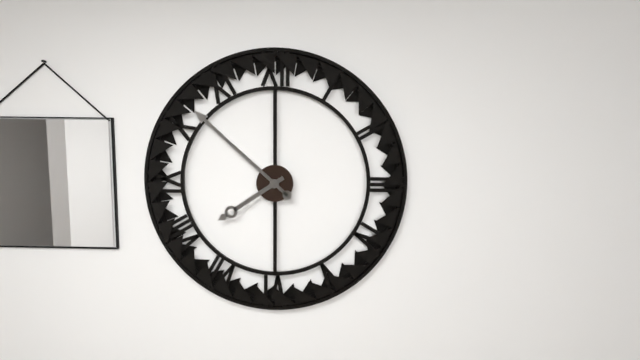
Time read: **7:52**
